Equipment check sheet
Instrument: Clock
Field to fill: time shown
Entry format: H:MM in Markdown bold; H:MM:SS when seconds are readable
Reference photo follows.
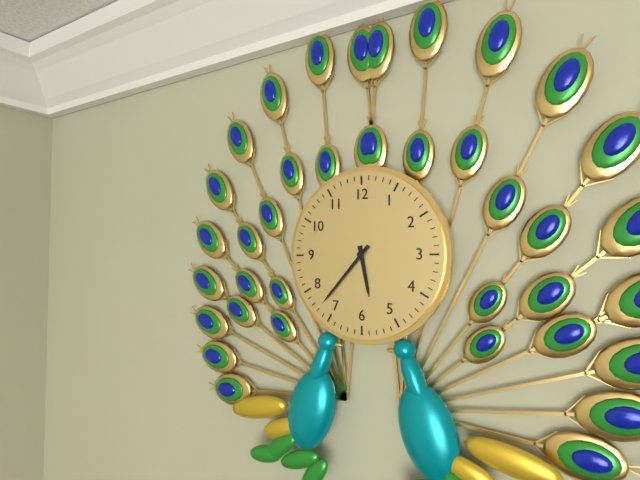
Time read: **5:37**
